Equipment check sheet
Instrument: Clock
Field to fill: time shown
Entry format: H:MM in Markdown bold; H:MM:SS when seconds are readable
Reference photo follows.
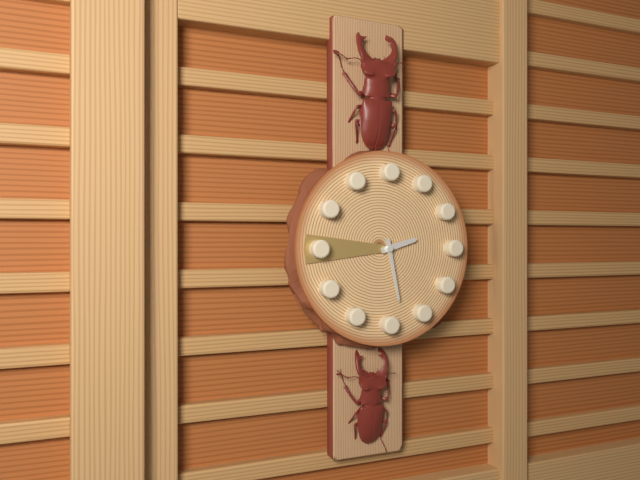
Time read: **2:28:45**
